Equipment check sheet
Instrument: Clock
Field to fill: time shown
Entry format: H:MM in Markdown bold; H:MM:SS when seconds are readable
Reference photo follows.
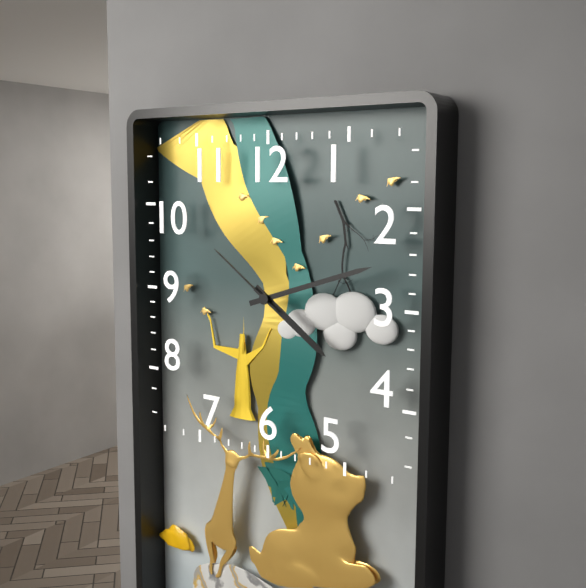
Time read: **4:12:51**
